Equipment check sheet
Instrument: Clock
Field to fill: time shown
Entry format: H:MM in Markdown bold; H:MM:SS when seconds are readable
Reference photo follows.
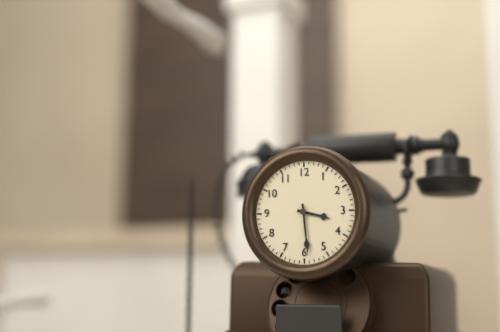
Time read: **3:29**
